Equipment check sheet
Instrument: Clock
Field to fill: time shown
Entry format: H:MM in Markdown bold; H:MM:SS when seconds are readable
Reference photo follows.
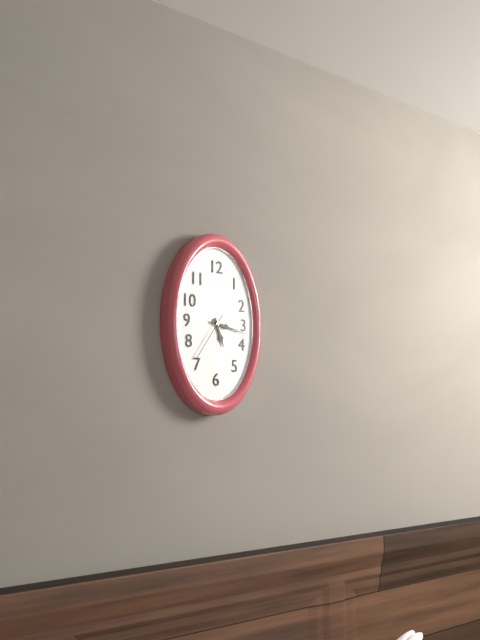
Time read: **5:17:36**
